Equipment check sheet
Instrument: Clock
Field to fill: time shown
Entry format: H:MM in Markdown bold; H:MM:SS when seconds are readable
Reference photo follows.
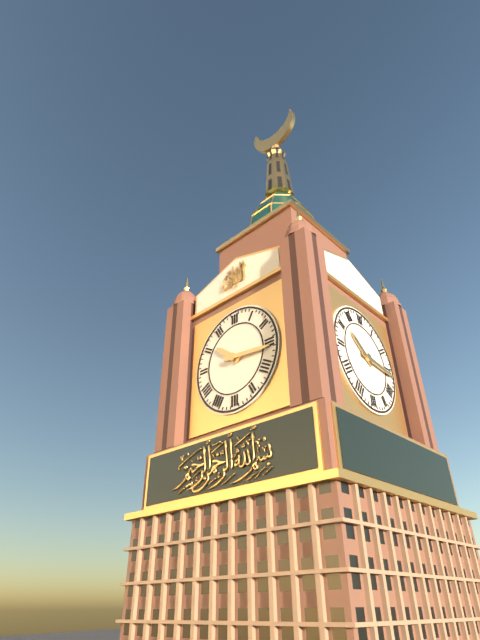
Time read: **10:16**
